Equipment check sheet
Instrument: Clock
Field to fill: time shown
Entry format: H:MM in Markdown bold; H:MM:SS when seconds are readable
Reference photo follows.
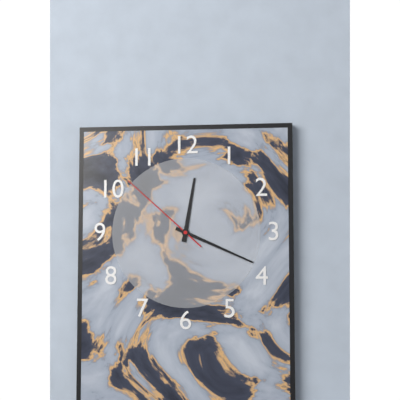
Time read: **12:19:52**
